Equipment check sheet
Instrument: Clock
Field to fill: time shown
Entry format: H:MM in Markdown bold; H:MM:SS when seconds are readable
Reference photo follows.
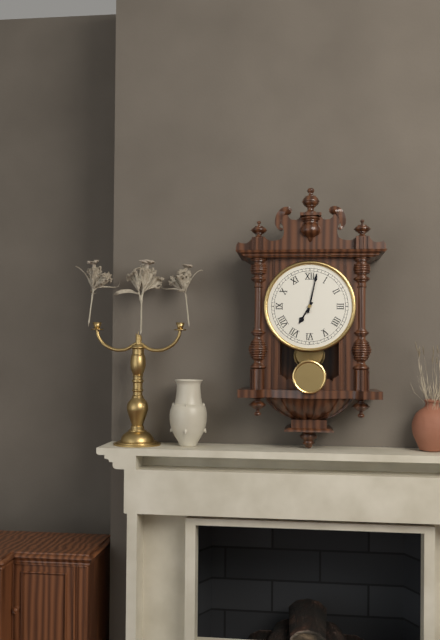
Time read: **7:02**
